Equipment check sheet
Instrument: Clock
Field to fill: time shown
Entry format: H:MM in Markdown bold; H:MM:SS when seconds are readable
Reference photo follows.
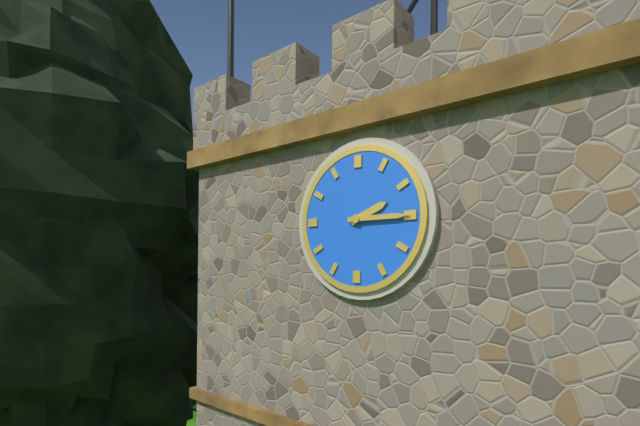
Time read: **2:15**
